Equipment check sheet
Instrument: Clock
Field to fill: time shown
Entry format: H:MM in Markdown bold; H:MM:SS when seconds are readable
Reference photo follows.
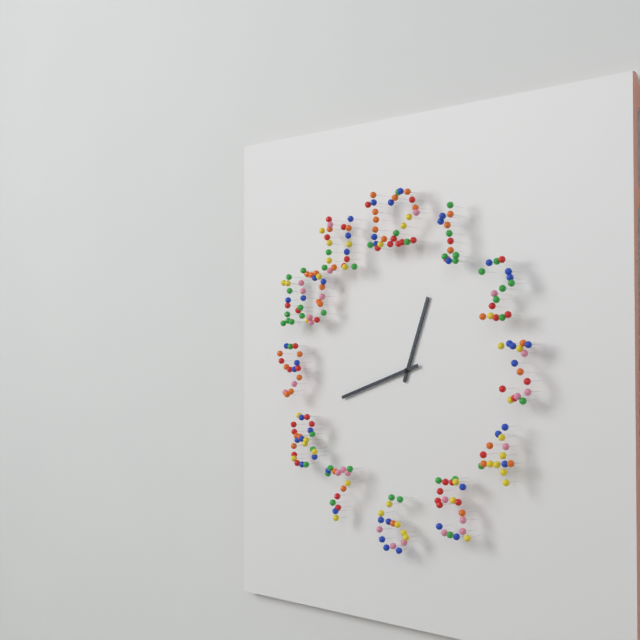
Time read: **12:42**
